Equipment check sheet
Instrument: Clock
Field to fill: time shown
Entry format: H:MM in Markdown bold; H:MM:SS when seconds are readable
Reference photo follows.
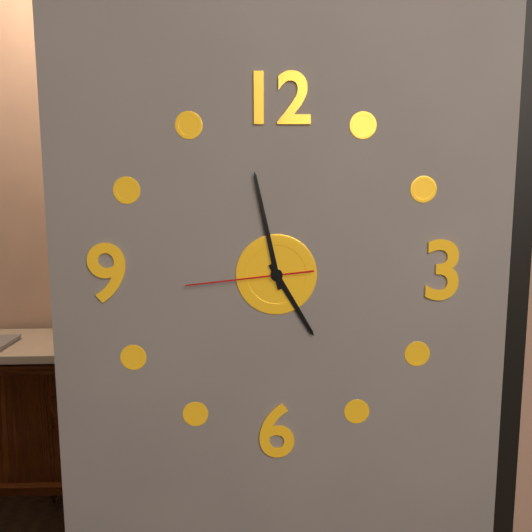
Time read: **4:58:44**
